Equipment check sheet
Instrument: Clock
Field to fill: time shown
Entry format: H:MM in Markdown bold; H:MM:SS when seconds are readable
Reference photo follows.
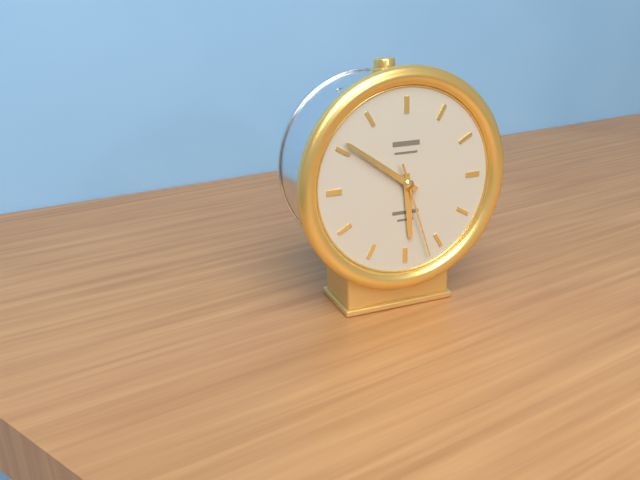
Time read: **5:51:27**
